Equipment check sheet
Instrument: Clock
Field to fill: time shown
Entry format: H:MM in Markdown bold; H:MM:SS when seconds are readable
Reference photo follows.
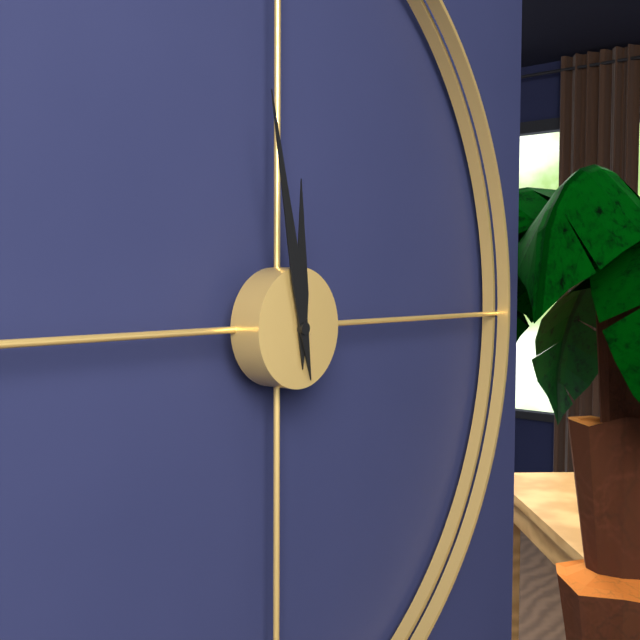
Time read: **11:58**
